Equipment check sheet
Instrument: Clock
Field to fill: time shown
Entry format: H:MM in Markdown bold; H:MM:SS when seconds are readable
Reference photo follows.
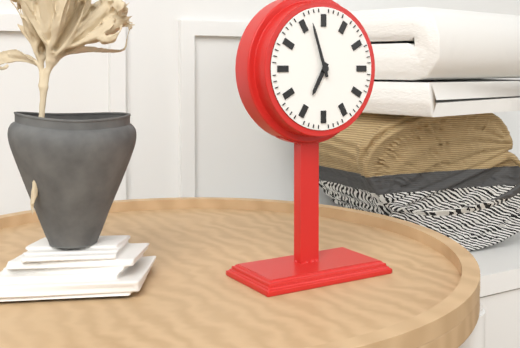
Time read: **6:57**
